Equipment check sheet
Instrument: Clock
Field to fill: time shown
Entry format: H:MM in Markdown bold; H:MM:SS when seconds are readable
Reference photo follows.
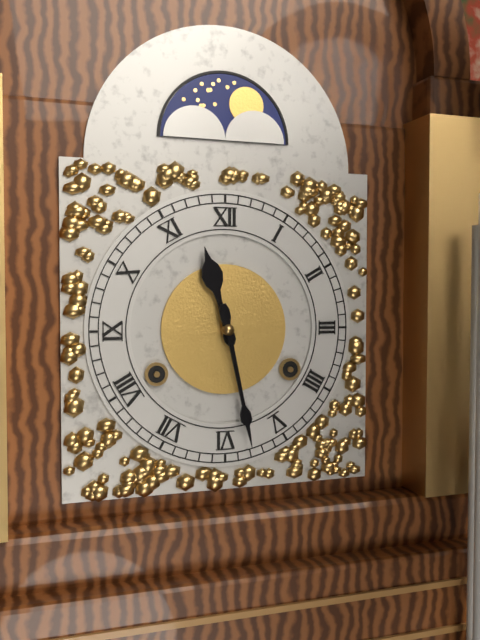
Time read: **11:28**
